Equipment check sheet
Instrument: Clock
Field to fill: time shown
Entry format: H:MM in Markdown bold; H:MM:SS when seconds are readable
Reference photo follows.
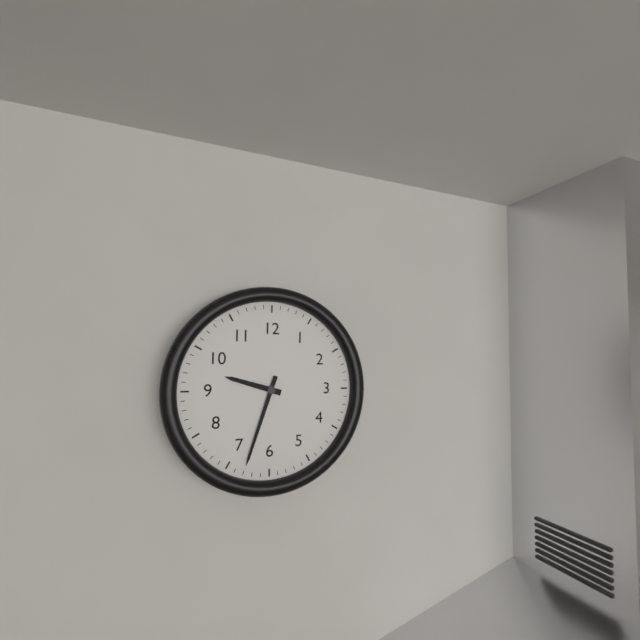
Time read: **9:33**
